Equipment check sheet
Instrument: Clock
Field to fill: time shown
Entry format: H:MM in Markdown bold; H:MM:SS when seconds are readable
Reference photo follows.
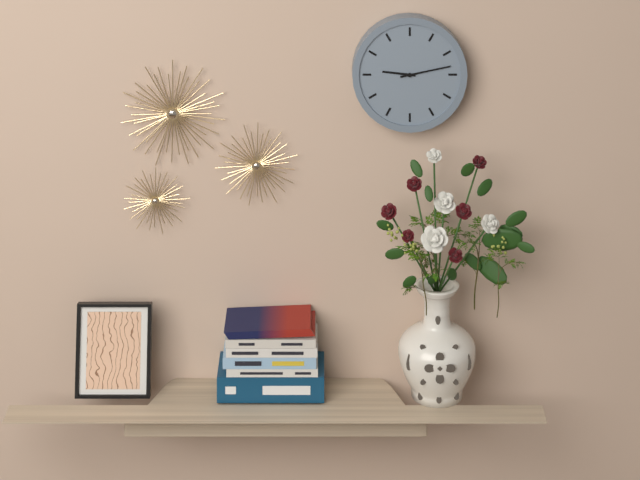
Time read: **9:13**
